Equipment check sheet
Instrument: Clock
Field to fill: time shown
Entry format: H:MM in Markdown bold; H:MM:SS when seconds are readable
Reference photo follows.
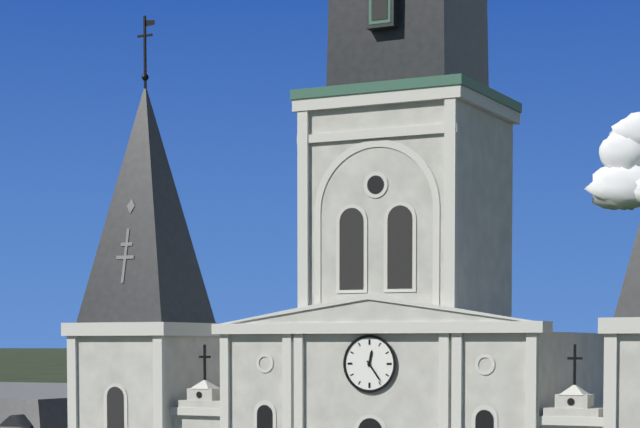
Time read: **12:24**
